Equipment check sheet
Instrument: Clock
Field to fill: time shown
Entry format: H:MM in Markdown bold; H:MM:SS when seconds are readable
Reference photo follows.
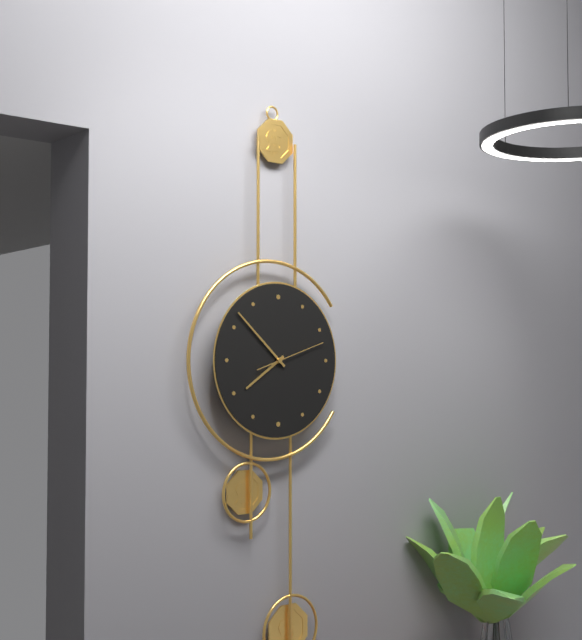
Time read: **7:52:12**
